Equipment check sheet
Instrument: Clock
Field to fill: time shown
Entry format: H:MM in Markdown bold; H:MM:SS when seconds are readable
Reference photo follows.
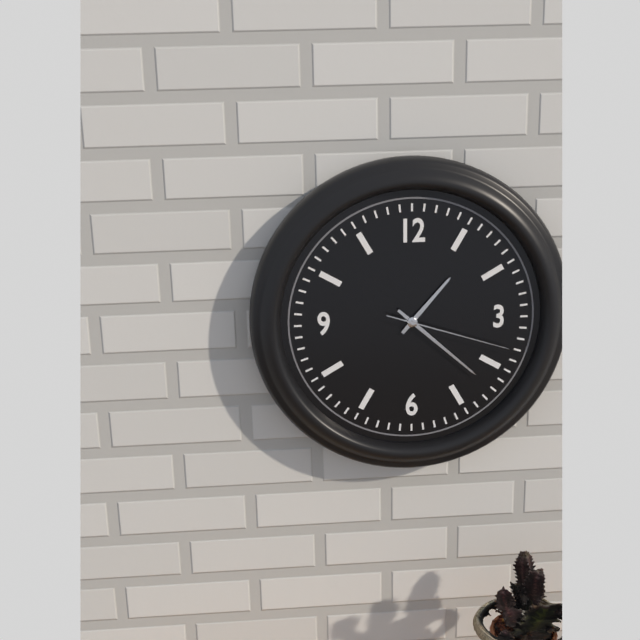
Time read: **1:22:18**
